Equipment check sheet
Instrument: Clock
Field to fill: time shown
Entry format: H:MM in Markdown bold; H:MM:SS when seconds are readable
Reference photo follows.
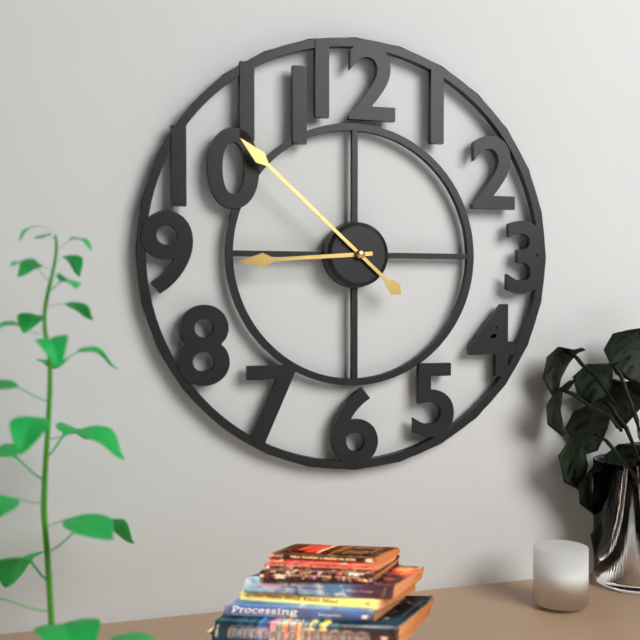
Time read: **8:52**
